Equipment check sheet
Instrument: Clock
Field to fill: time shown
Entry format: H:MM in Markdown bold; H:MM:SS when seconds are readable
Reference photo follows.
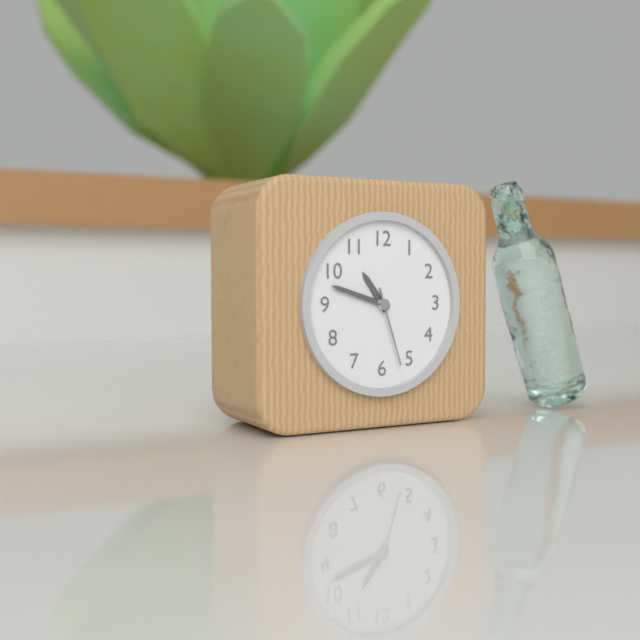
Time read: **10:48:27**
